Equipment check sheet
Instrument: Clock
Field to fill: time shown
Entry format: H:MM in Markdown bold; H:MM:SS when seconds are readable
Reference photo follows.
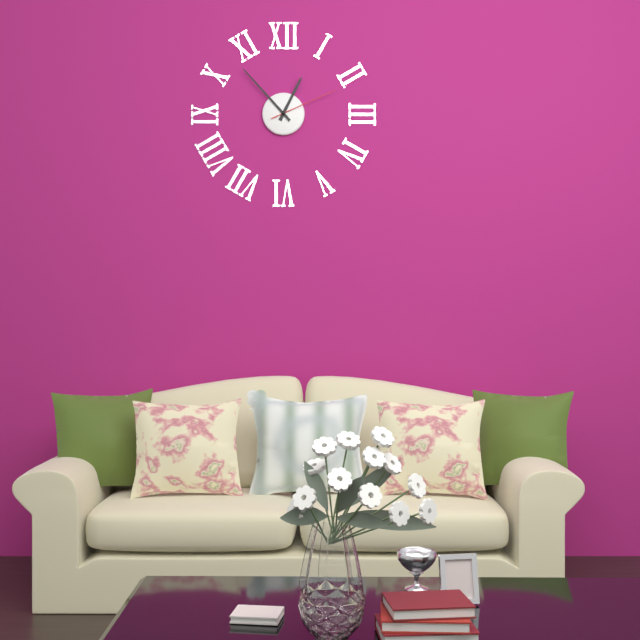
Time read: **12:53:11**
